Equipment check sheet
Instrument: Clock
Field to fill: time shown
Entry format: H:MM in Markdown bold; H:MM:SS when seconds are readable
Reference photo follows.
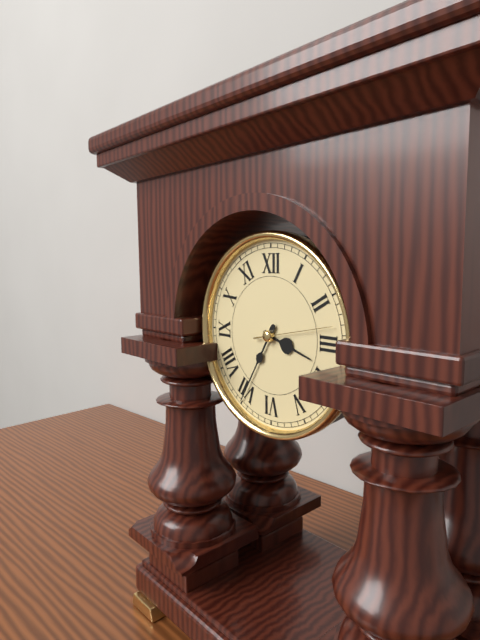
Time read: **3:35:13**
